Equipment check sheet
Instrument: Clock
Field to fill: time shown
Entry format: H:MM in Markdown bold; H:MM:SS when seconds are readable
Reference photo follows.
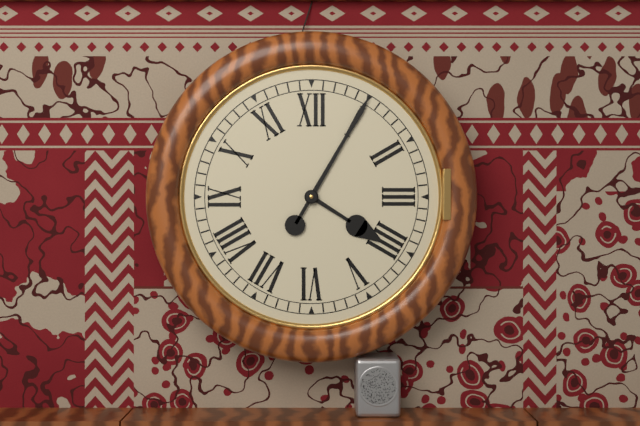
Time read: **4:05**
